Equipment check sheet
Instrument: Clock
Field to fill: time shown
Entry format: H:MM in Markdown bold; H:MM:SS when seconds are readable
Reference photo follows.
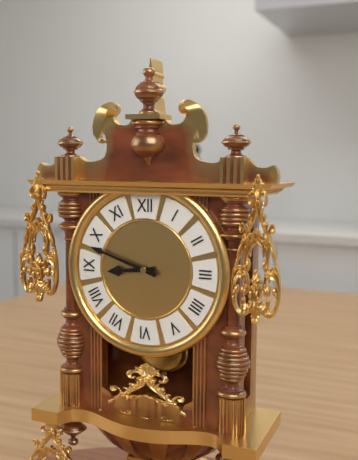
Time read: **8:48**
